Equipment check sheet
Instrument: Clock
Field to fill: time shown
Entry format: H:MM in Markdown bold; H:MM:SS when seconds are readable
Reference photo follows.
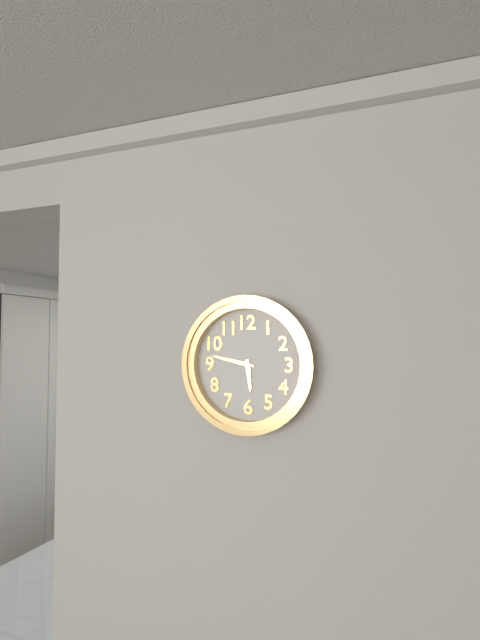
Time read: **5:47**
